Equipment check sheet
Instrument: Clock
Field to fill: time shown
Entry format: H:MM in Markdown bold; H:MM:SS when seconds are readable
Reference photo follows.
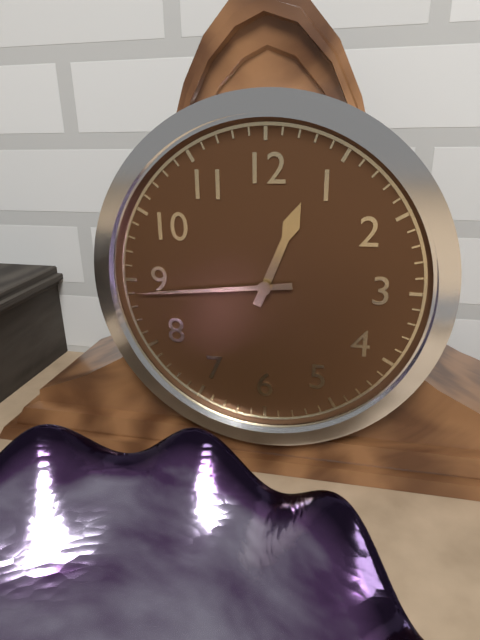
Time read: **12:44**
